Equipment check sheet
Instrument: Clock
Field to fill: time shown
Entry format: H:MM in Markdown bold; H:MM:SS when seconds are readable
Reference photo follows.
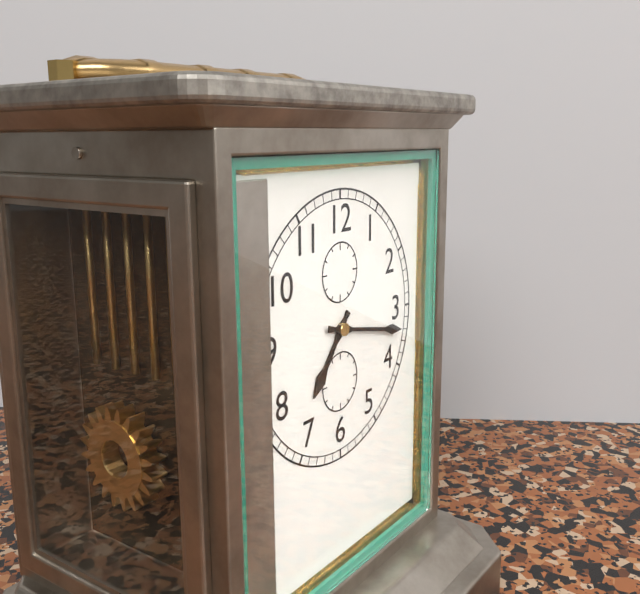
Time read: **7:17**
